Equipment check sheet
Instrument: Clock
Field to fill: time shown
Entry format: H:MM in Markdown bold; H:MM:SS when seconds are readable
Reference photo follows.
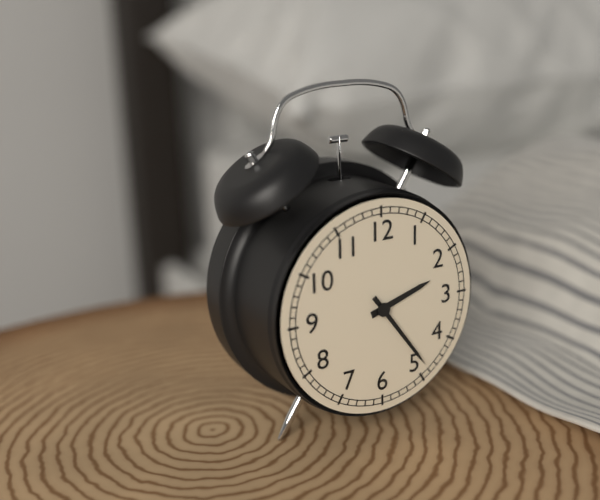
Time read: **2:24**
